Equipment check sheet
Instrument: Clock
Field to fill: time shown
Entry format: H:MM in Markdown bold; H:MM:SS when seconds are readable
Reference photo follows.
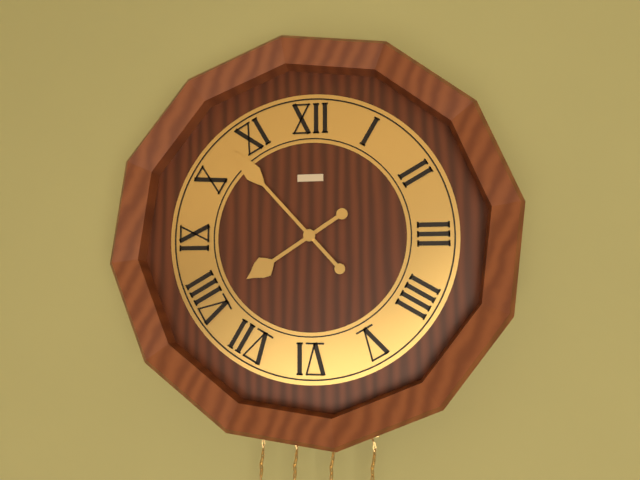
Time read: **7:53**
